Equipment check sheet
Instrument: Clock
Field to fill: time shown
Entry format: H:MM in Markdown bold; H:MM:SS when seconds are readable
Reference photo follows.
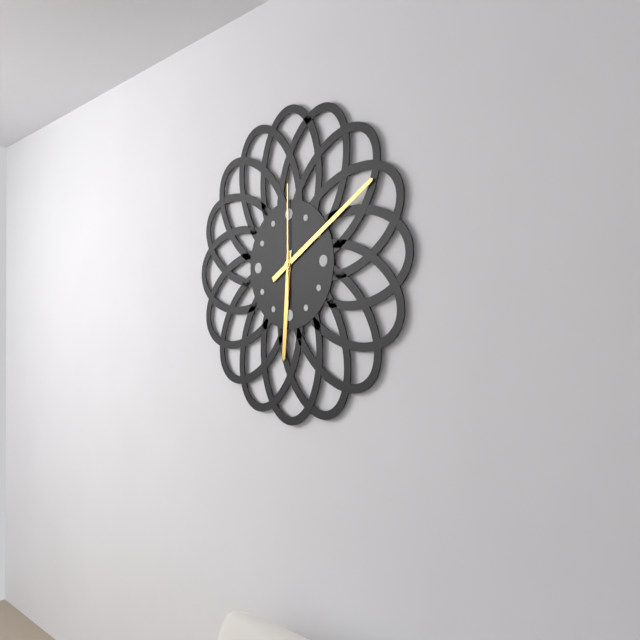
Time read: **6:10:00**
